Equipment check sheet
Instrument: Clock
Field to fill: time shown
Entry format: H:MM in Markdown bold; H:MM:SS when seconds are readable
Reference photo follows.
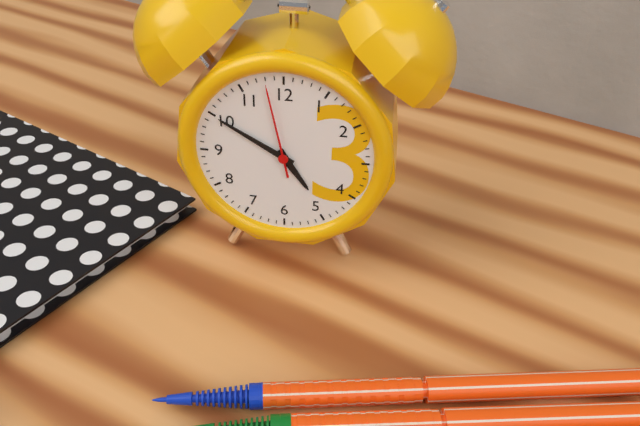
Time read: **4:50:58**
